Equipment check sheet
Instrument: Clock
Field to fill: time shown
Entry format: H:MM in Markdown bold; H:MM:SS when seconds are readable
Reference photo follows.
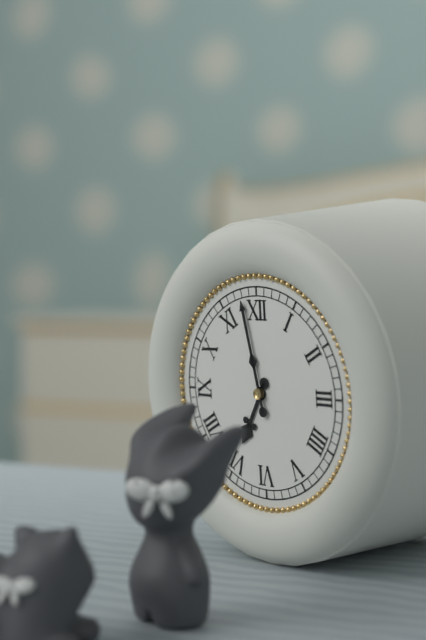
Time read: **6:58**
